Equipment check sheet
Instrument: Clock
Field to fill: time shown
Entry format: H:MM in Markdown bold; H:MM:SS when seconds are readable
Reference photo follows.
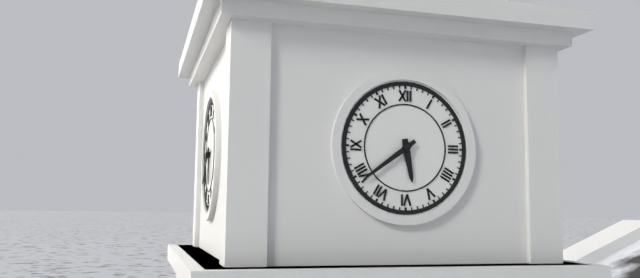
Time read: **5:39**
